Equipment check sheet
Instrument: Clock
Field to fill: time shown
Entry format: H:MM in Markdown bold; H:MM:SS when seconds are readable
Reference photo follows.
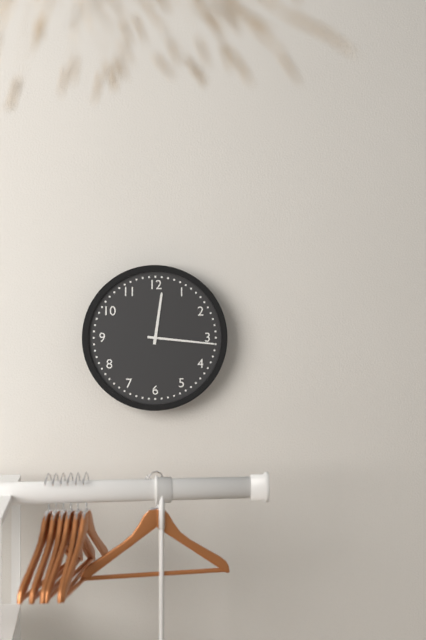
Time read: **12:16**
